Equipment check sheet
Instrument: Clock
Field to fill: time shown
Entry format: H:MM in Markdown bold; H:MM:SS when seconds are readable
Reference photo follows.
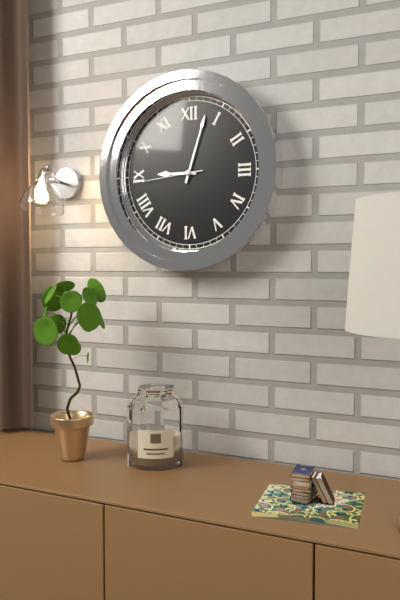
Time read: **9:03:44**
